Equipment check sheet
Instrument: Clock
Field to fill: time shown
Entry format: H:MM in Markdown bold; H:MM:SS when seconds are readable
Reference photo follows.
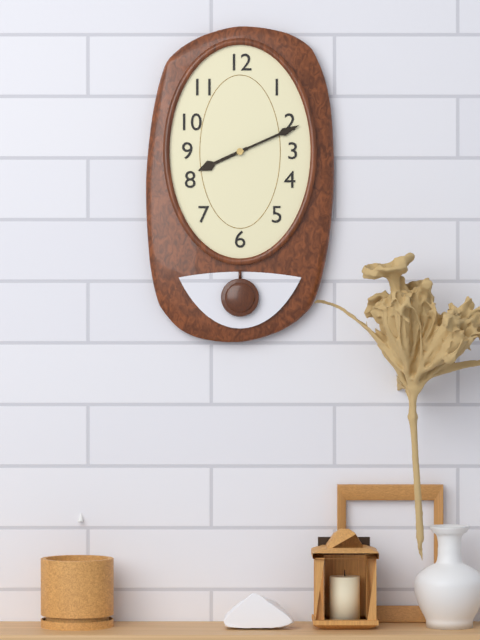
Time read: **8:11**
